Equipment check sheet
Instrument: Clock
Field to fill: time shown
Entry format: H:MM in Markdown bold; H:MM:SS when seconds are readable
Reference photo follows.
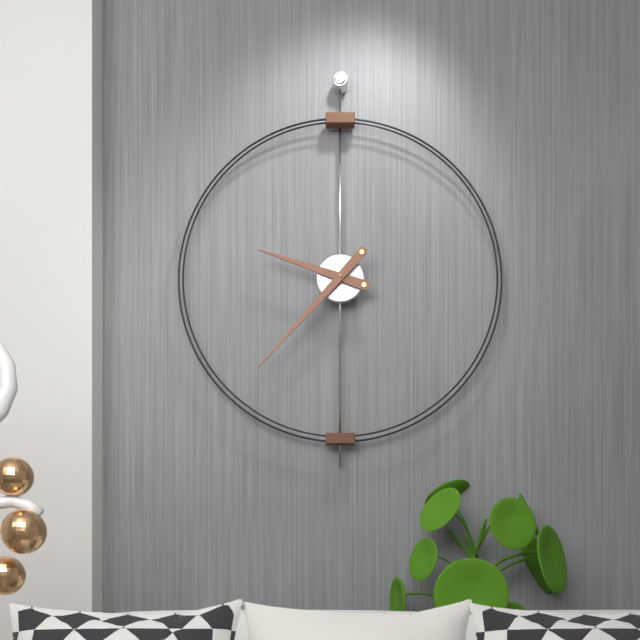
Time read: **9:37**
